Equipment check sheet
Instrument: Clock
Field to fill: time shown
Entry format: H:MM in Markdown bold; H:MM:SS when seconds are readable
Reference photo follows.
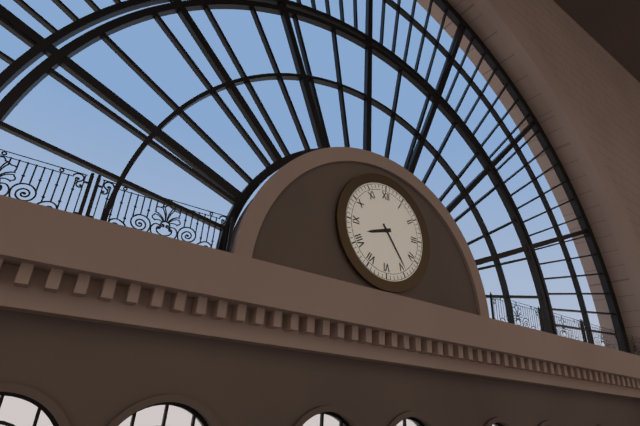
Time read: **8:24**
